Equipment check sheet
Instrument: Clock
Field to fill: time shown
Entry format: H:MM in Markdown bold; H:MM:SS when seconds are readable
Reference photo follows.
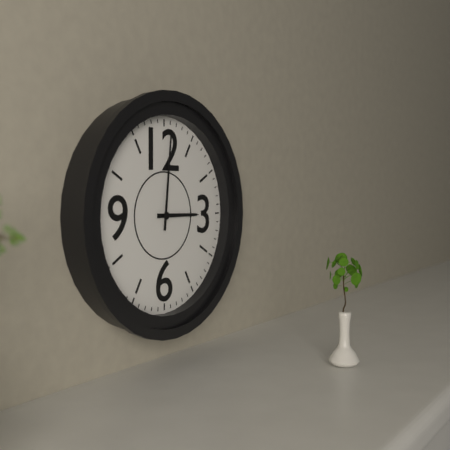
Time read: **3:01**
